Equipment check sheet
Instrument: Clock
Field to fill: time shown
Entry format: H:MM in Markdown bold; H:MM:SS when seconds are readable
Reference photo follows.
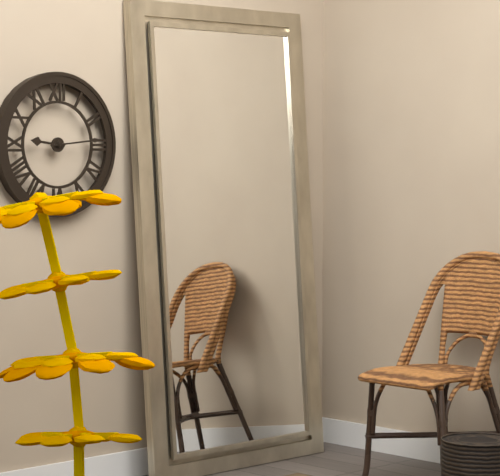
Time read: **9:14**
